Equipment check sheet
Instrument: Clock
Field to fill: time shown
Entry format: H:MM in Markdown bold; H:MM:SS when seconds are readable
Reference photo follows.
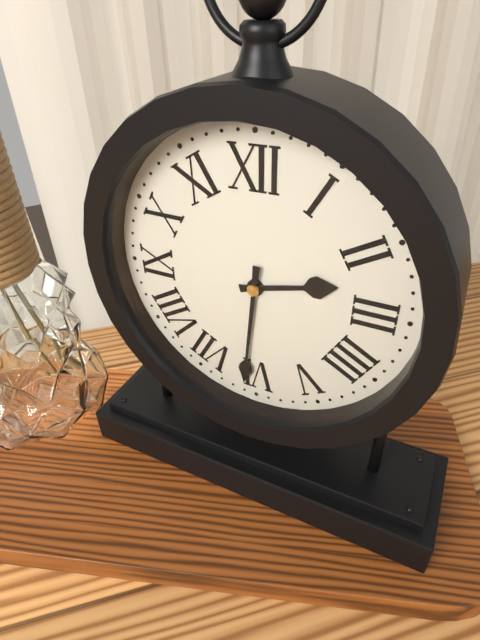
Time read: **2:31**
